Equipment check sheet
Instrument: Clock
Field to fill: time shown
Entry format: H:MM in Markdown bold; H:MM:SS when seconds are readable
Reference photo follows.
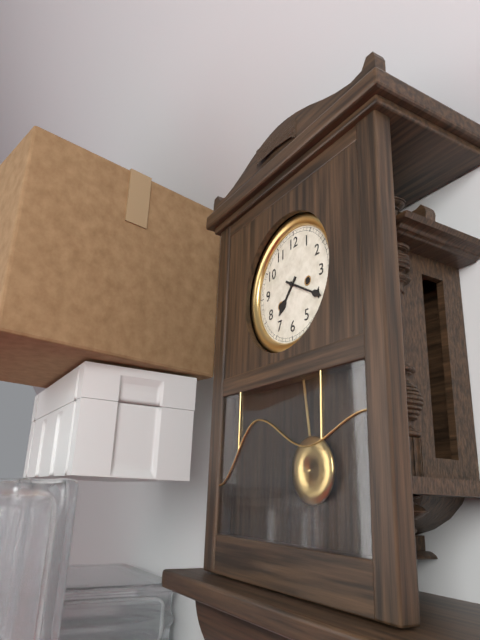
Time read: **7:20**
